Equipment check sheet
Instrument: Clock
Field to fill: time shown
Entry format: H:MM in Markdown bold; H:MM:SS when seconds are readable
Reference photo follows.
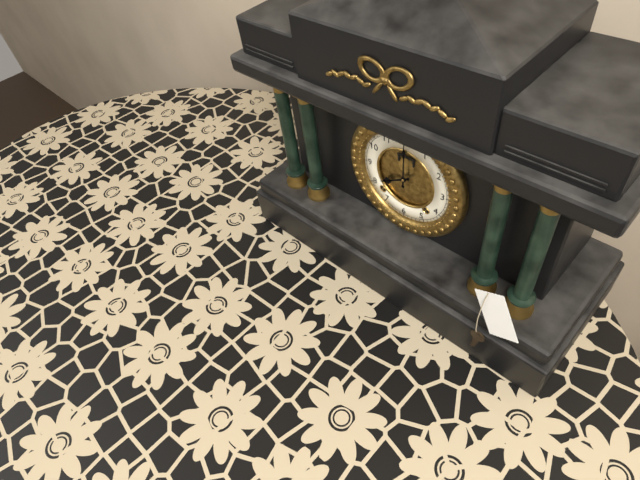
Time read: **8:00**
